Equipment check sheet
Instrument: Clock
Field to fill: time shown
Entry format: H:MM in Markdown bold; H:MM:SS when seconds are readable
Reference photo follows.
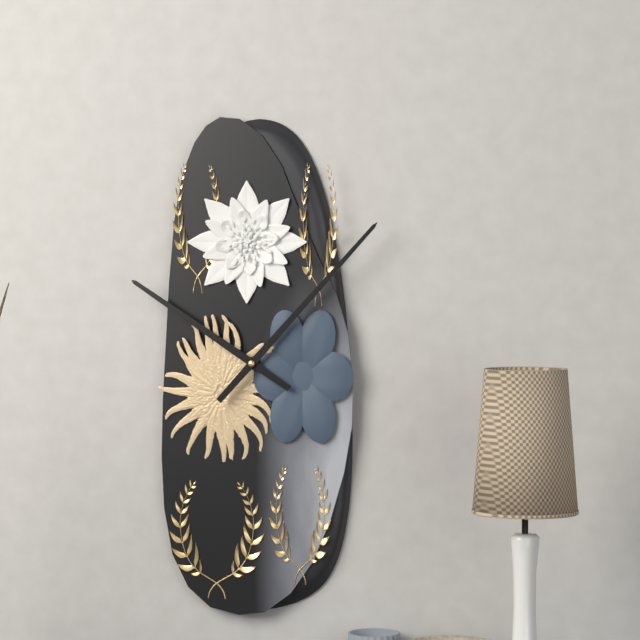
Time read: **10:07**
